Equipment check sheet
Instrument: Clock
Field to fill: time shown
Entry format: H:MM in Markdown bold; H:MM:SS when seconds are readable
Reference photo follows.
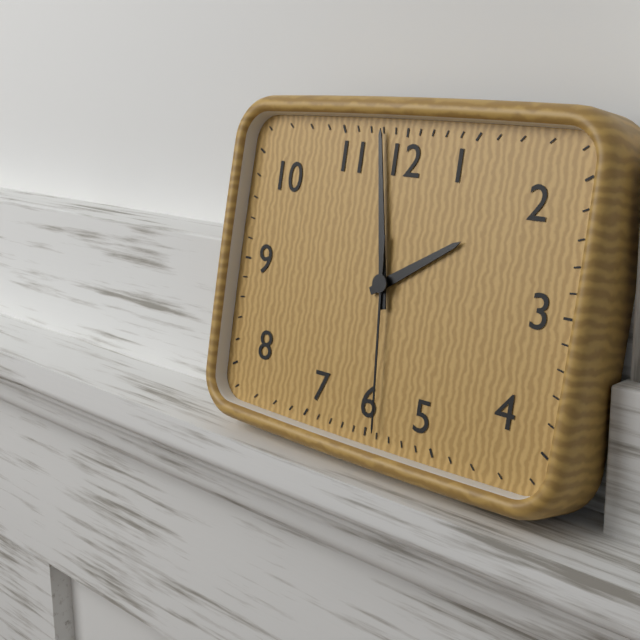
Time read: **1:58:29**
